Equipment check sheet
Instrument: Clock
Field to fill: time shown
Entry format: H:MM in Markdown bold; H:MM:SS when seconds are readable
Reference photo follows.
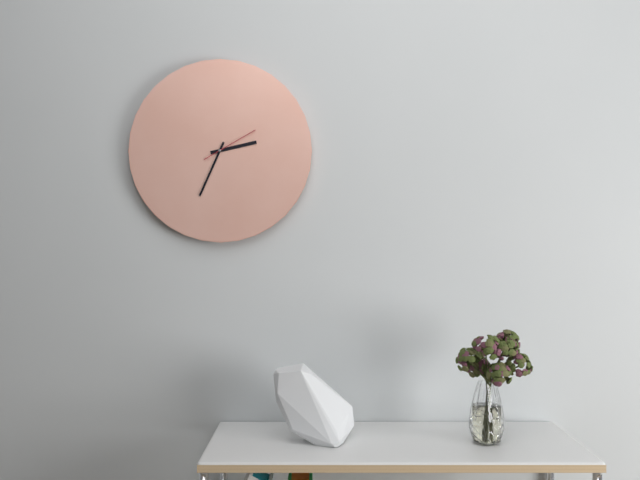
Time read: **2:34:10**
